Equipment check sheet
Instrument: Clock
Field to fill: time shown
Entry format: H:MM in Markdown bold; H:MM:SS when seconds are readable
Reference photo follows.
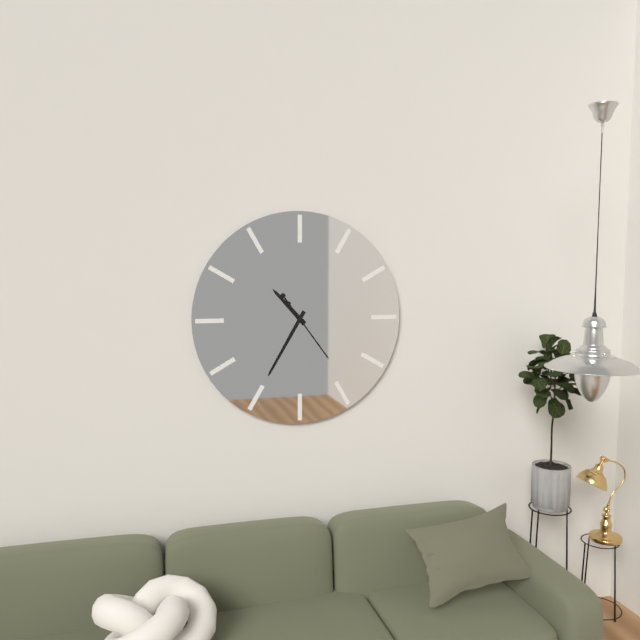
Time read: **10:35:24**
